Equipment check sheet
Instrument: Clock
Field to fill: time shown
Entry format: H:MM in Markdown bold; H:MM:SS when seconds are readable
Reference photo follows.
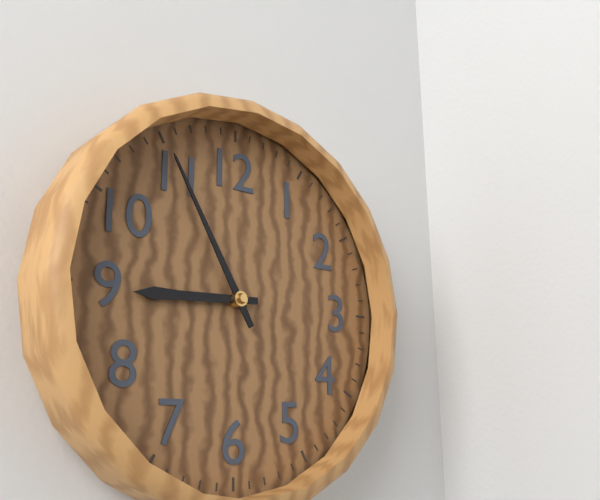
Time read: **8:55**
